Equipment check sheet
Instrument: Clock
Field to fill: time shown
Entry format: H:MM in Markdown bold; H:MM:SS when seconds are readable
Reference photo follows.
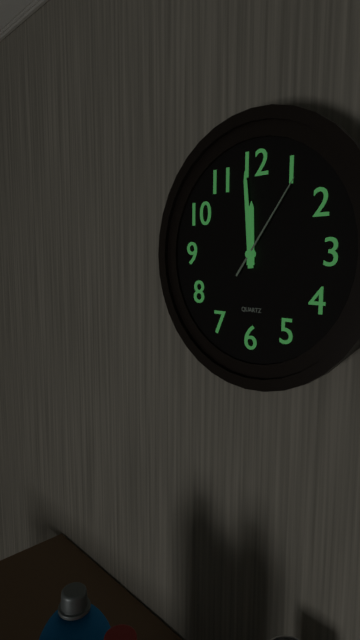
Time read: **11:59:06**
